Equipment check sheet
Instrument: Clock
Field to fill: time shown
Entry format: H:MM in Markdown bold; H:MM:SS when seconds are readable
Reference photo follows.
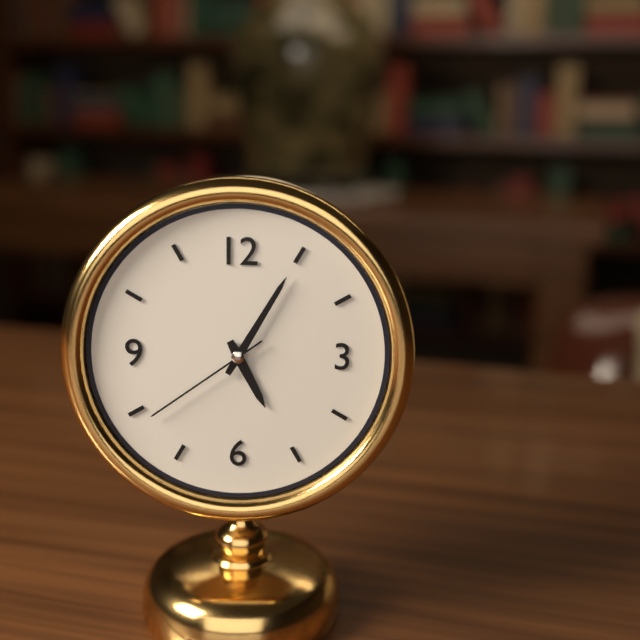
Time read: **5:05:39**
